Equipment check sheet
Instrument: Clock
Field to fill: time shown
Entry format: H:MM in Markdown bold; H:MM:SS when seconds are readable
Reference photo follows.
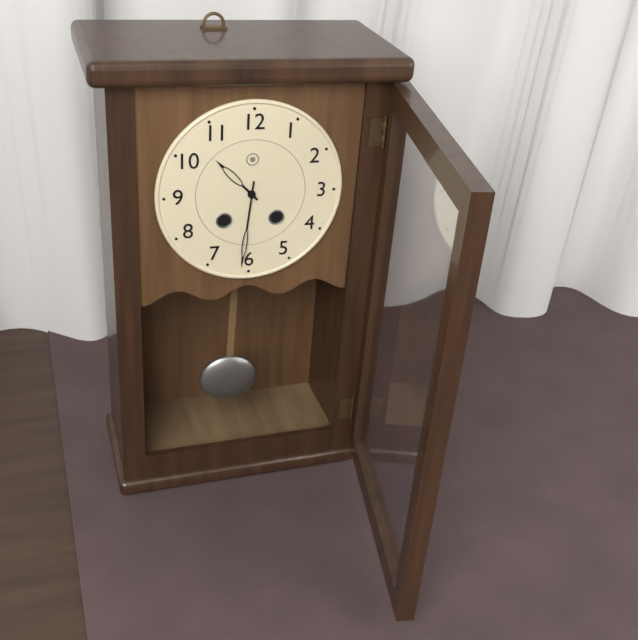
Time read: **10:31**
